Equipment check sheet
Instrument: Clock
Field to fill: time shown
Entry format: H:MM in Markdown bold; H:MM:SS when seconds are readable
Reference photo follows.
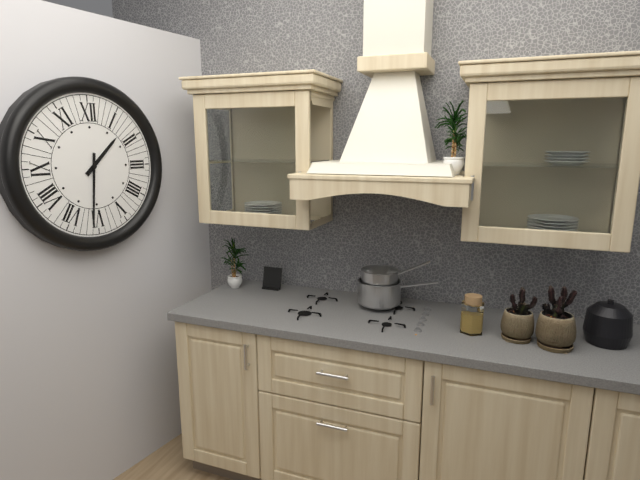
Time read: **1:31**
